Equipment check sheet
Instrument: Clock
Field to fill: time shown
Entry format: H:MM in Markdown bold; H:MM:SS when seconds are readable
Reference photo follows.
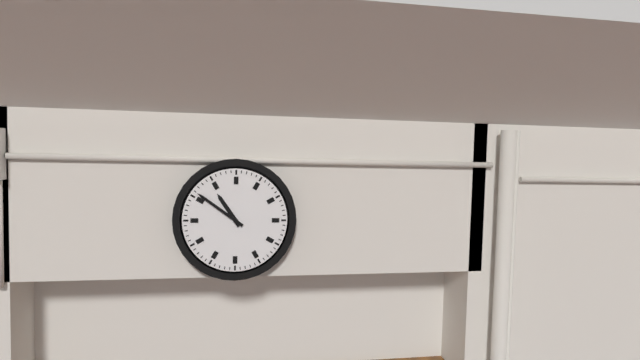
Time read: **10:51**
